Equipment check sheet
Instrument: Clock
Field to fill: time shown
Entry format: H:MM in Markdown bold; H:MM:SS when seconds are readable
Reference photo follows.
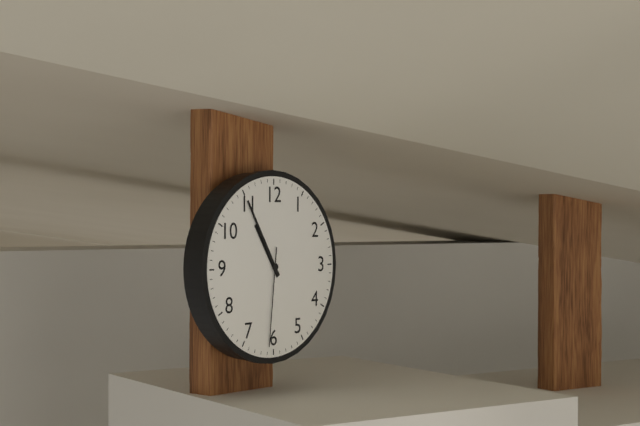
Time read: **10:55:31**
